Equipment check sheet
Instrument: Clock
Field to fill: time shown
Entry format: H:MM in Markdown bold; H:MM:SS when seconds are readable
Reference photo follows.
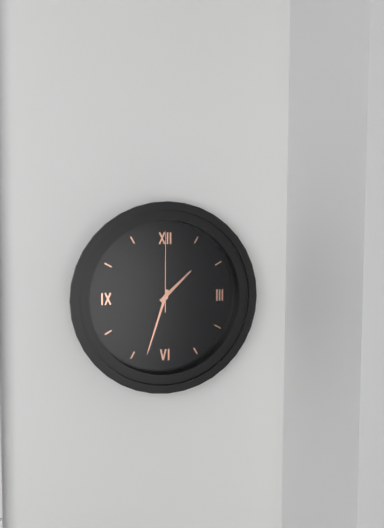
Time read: **1:33:00**
